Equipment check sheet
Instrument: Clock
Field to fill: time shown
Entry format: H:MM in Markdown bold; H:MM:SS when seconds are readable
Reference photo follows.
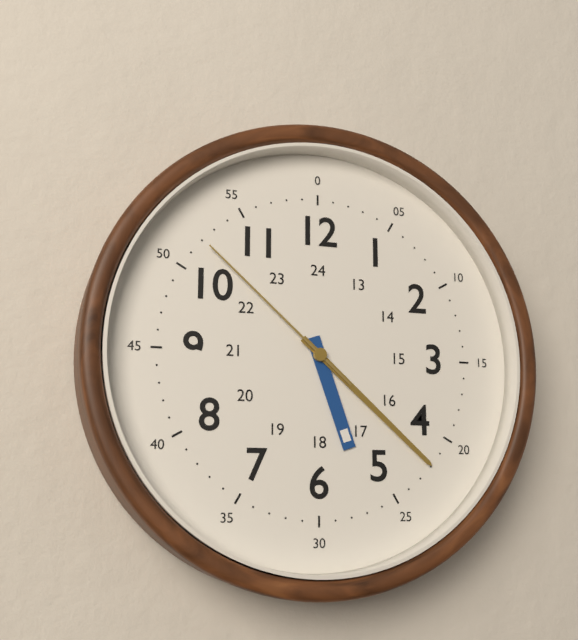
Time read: **5:22:52**
